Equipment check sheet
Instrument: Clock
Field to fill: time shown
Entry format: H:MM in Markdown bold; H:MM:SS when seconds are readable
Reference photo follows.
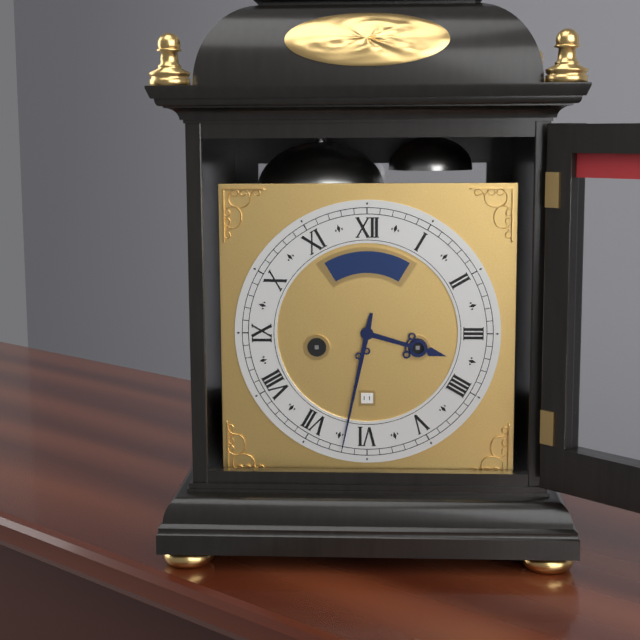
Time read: **3:32**
